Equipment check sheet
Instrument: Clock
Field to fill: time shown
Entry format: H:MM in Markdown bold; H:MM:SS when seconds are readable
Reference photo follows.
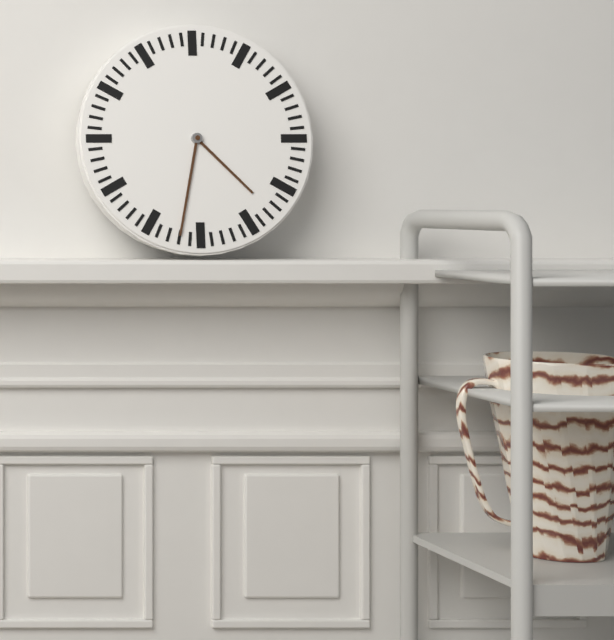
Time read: **4:32**
